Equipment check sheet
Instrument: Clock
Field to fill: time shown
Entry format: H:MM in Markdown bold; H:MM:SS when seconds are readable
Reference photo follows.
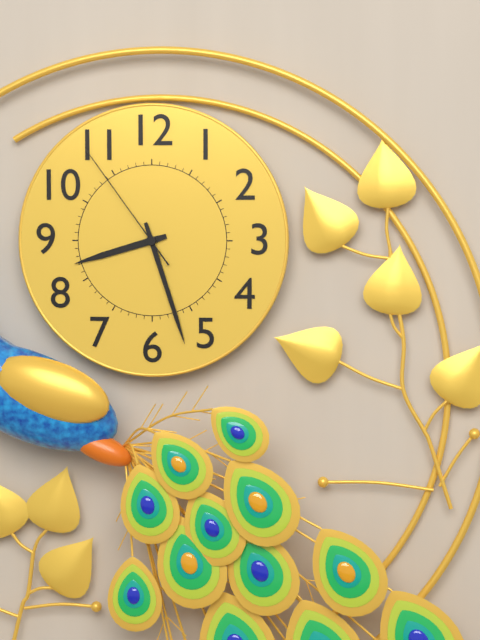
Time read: **8:27:54**
